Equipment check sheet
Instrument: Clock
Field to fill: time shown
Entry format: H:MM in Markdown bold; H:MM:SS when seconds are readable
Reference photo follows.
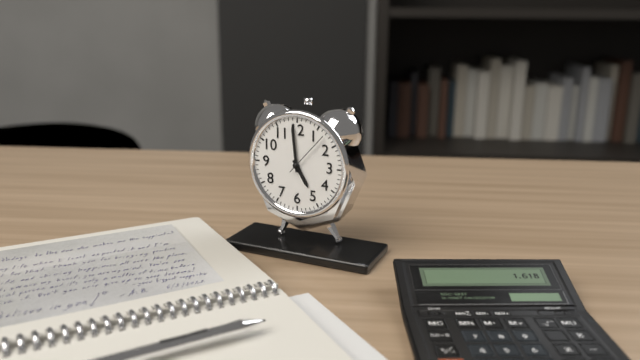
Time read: **4:59**
